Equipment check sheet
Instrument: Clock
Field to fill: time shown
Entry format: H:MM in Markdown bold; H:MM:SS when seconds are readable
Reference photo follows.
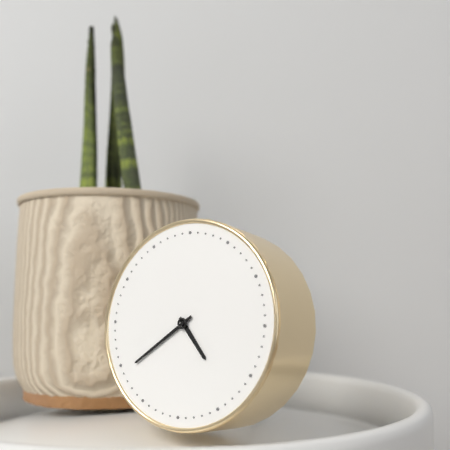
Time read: **4:39**
